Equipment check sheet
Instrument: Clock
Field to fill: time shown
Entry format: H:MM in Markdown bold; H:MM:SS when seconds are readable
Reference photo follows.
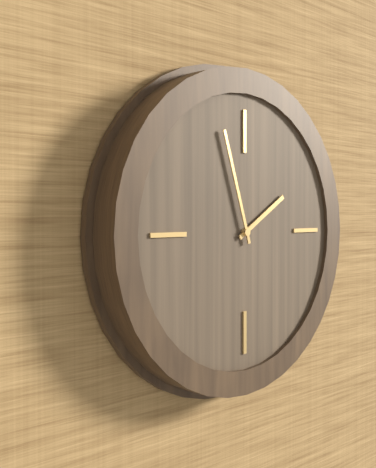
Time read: **1:57**
